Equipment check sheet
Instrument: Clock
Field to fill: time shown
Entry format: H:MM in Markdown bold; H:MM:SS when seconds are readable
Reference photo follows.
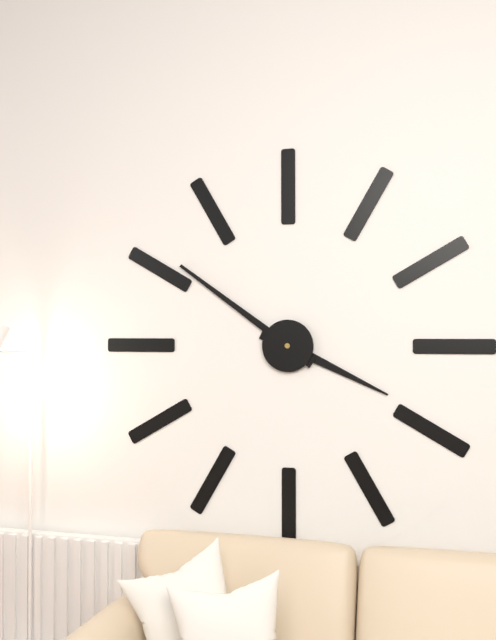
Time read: **3:51**
